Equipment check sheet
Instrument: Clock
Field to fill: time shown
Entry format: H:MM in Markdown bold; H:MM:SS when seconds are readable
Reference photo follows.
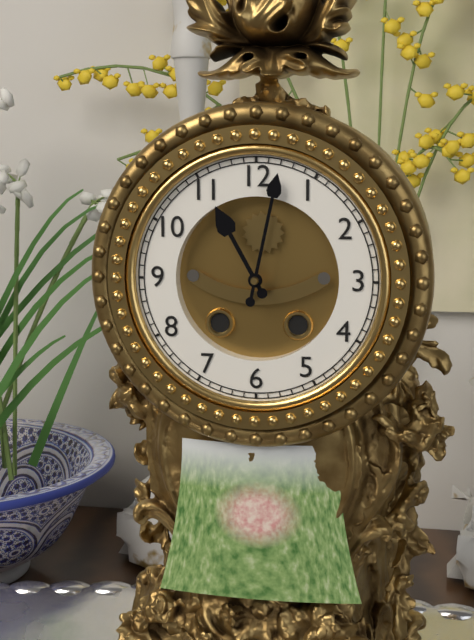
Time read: **11:02**
